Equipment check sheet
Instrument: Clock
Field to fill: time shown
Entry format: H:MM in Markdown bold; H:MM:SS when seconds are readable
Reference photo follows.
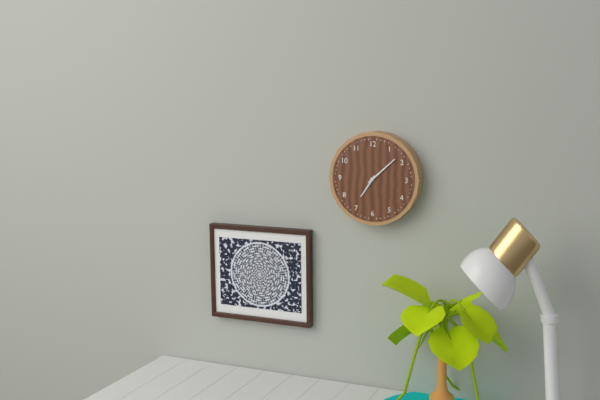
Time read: **7:08**
